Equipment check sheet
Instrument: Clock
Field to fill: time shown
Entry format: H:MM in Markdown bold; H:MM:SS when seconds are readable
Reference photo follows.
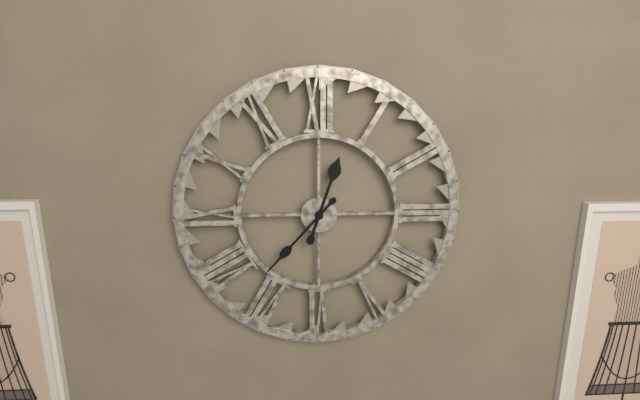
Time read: **12:37**
